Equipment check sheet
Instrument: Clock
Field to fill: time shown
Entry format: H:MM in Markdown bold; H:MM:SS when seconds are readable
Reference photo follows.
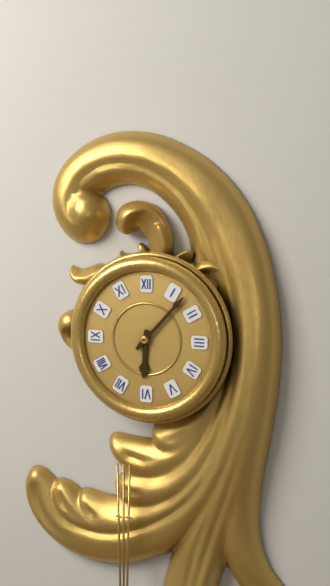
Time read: **6:07**
